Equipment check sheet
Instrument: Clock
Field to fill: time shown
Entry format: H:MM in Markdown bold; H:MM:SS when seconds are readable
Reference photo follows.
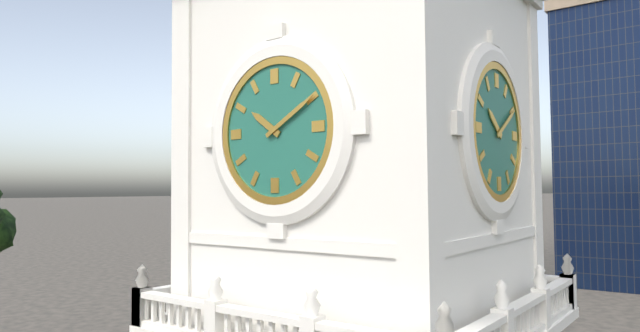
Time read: **10:10**
